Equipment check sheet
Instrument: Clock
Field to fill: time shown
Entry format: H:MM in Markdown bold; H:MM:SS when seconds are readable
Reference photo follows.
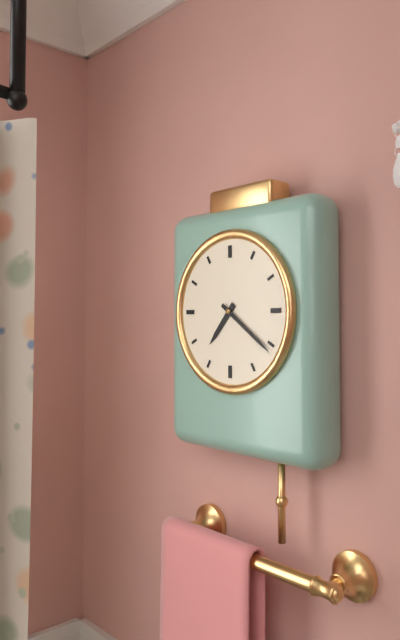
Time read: **7:21**
